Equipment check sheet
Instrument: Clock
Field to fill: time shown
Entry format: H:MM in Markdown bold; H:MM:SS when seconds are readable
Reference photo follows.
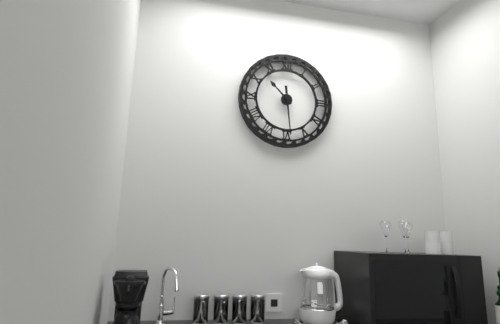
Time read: **10:29**
